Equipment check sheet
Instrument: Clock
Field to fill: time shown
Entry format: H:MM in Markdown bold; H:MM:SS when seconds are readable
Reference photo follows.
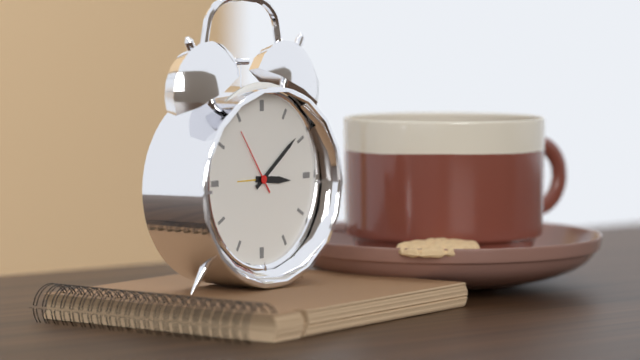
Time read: **3:09:54**
